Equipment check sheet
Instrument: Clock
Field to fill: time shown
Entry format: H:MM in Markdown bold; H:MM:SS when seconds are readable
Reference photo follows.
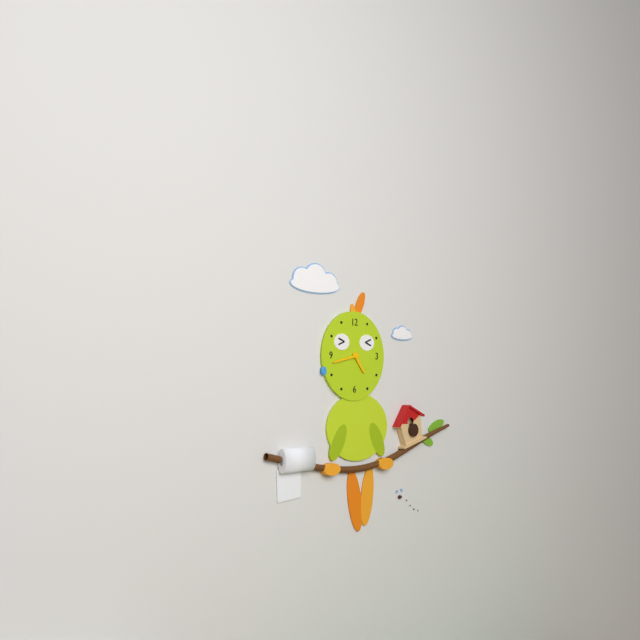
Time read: **4:43**
